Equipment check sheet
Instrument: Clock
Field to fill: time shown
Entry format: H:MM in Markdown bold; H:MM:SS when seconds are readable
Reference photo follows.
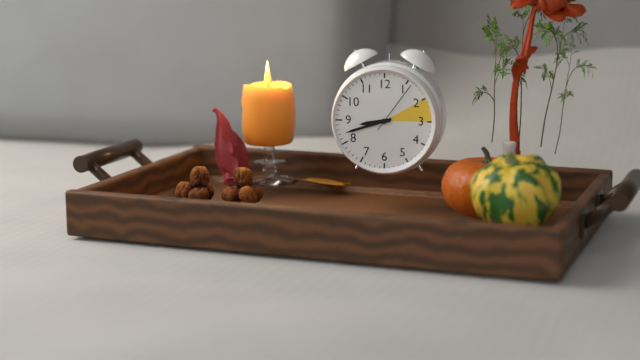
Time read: **8:42:06**
